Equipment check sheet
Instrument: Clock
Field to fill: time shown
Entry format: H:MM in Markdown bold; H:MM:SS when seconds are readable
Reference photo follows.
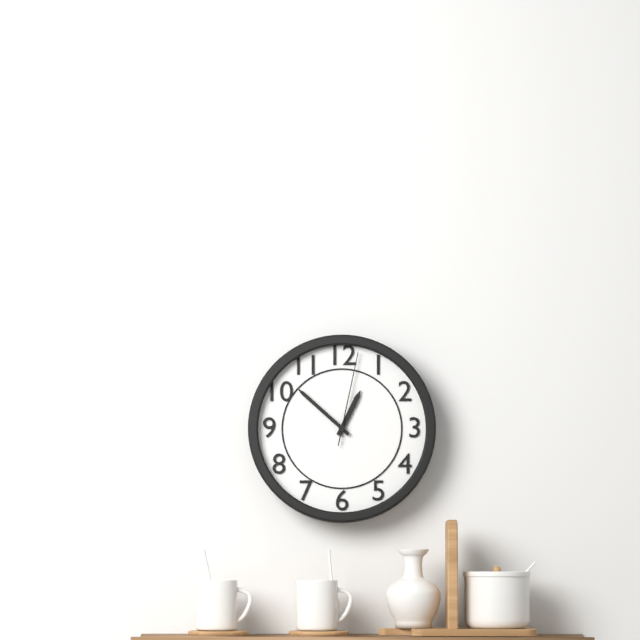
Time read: **12:52:02**
